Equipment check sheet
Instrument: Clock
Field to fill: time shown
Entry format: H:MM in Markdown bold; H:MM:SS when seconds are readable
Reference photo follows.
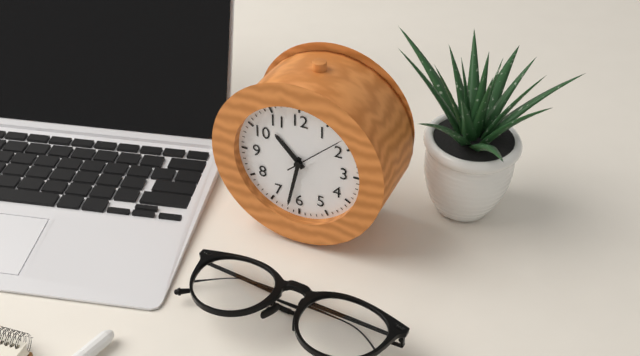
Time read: **10:32:08**
